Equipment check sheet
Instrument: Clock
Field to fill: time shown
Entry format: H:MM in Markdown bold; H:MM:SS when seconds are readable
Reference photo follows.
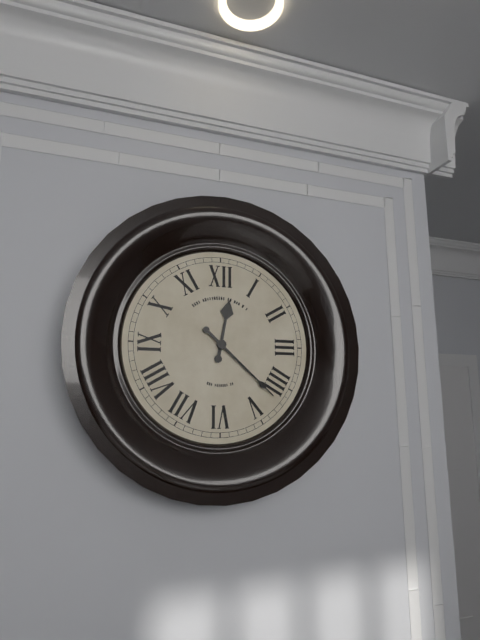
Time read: **12:22**
